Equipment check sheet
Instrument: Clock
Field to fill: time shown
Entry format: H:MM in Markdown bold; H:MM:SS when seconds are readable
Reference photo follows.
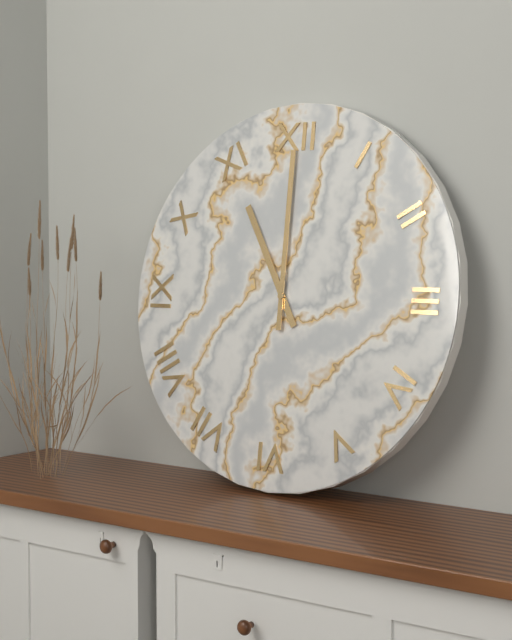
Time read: **11:00**
